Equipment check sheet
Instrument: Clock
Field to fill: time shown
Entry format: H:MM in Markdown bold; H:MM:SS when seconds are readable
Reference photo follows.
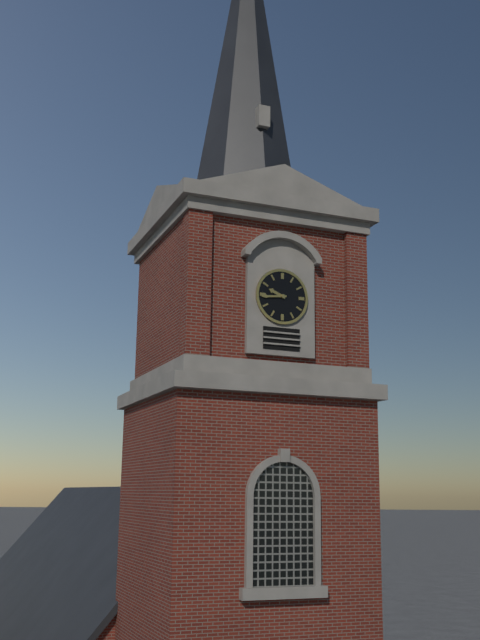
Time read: **9:44**
